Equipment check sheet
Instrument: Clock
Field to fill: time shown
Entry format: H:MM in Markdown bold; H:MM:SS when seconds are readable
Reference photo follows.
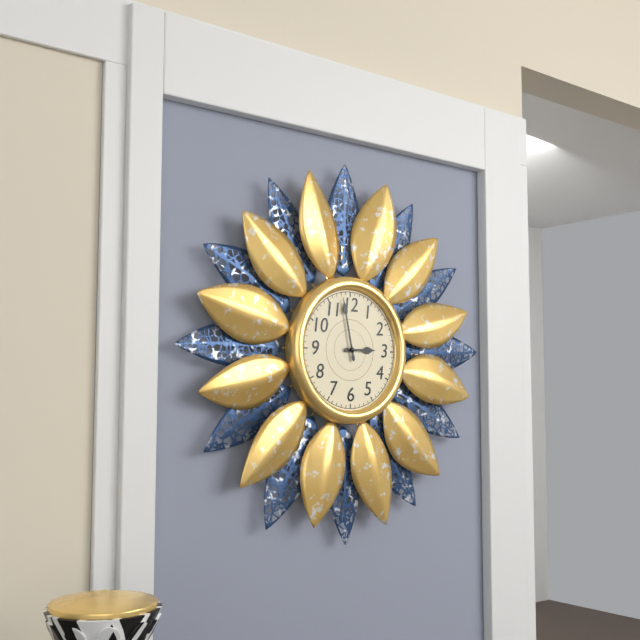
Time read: **2:58**
